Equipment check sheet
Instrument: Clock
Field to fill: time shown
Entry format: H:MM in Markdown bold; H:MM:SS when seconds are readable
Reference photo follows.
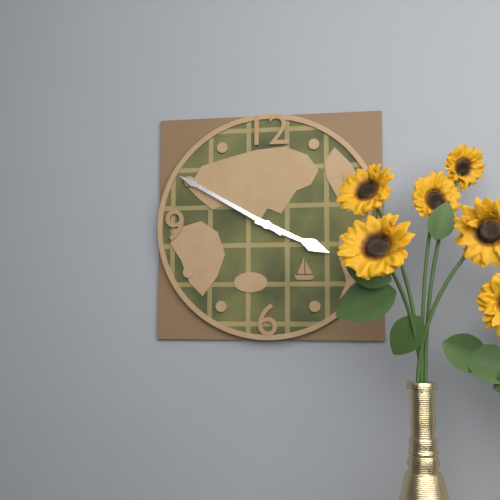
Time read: **3:50**
